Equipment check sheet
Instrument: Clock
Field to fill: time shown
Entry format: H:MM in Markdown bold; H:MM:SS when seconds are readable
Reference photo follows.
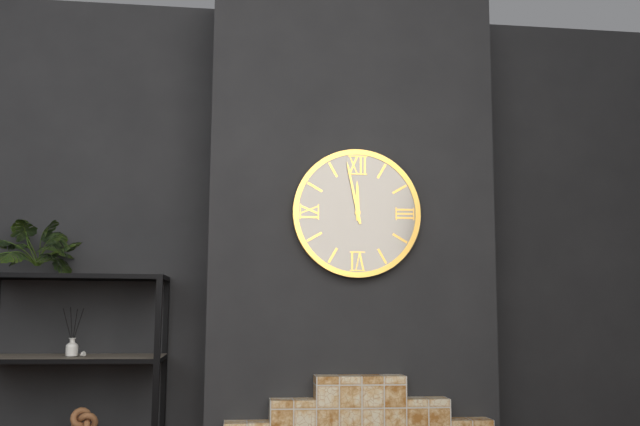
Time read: **11:58**
